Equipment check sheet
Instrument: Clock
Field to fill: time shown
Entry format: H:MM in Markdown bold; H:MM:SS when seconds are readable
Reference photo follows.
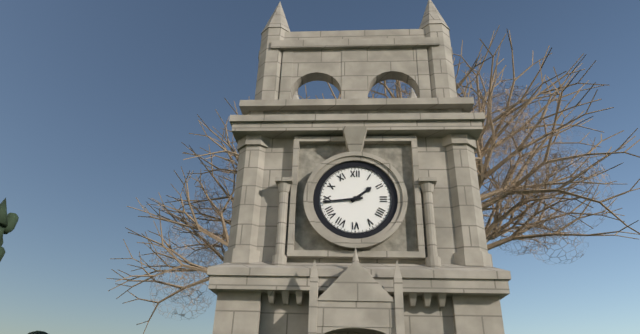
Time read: **1:44**
